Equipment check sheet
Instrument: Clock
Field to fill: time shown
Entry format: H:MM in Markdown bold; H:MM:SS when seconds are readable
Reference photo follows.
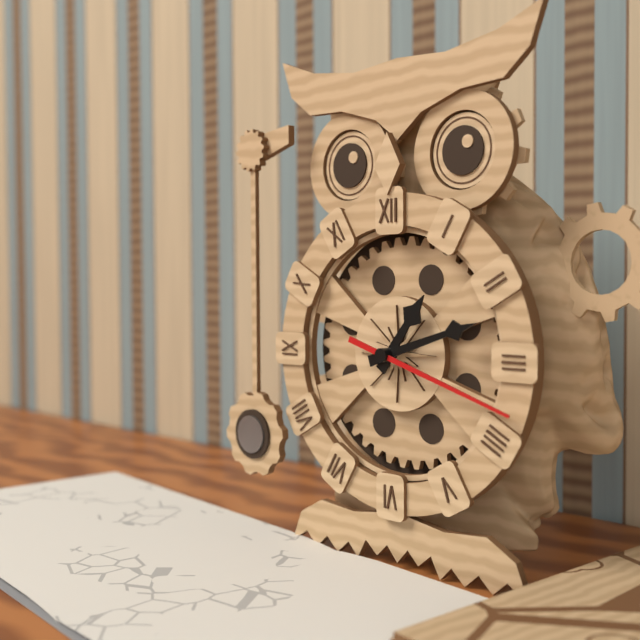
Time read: **1:12:18**
